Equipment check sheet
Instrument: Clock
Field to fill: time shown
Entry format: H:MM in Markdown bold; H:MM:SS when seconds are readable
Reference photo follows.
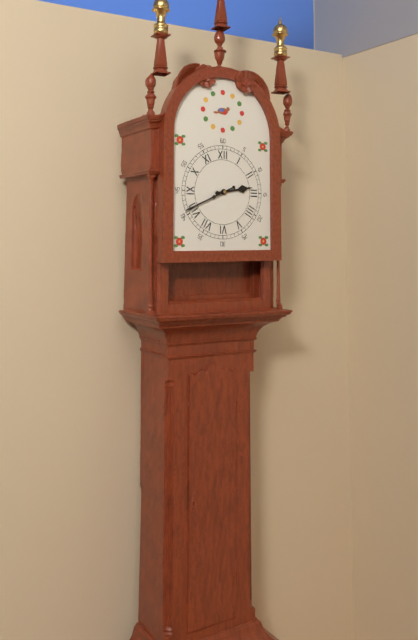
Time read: **2:41**
